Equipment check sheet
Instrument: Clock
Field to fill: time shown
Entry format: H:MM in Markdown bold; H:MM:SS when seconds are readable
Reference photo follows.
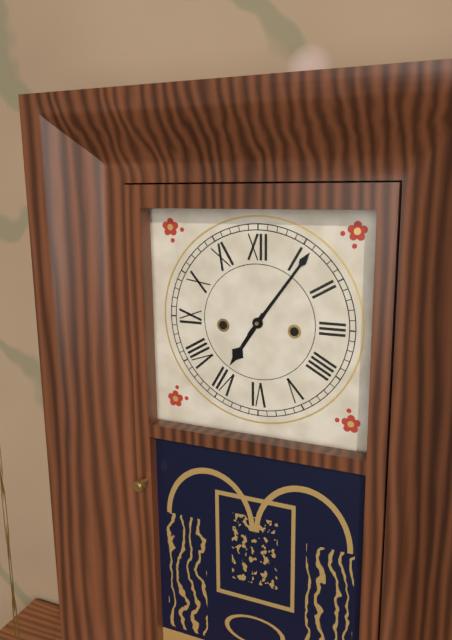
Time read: **7:06**
